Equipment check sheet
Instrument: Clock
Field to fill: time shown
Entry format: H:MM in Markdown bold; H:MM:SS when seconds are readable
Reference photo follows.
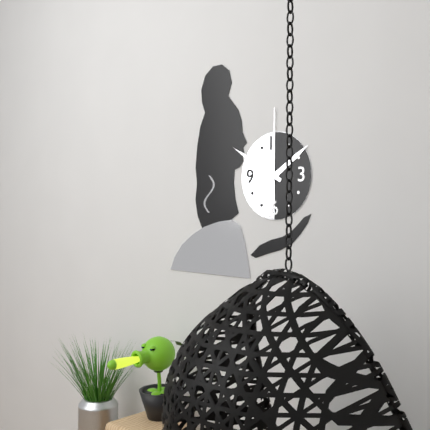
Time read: **1:50:00**
